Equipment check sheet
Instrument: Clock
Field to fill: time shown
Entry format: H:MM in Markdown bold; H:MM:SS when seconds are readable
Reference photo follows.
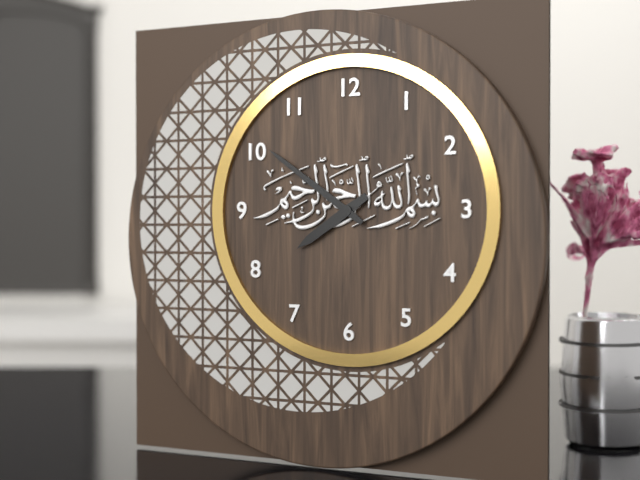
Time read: **7:51**
